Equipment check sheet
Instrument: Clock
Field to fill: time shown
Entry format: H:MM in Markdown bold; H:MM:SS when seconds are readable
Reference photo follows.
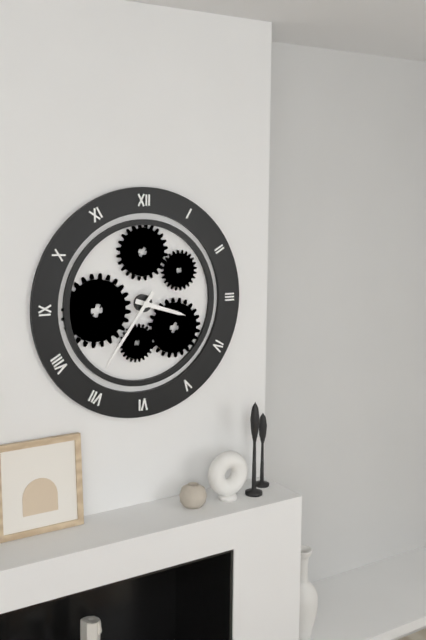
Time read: **3:36**
